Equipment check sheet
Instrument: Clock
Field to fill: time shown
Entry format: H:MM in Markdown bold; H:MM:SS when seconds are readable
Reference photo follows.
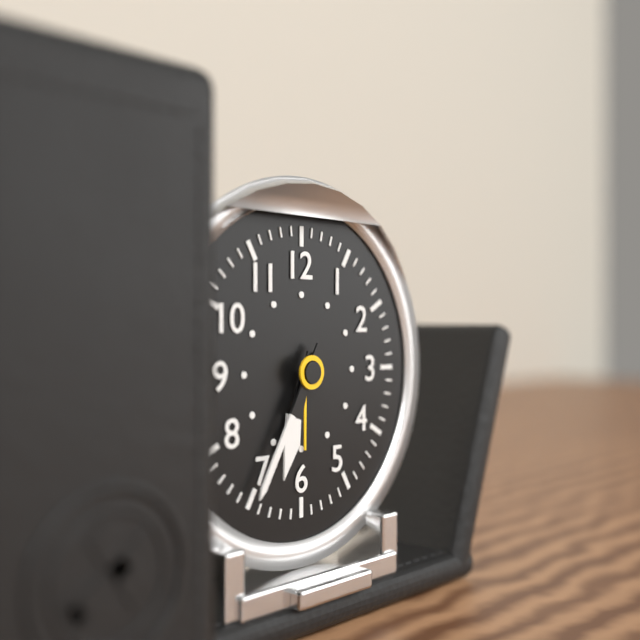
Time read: **6:35**
